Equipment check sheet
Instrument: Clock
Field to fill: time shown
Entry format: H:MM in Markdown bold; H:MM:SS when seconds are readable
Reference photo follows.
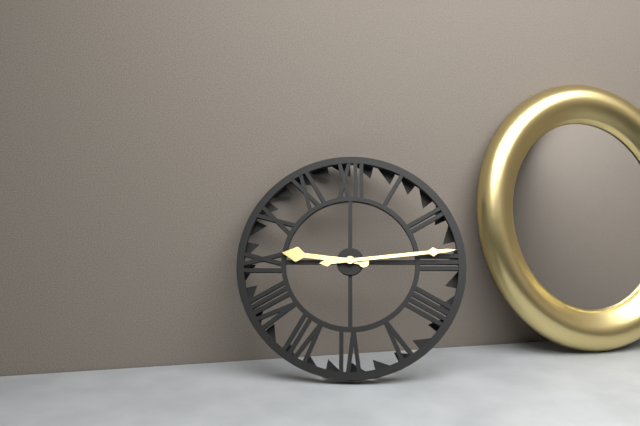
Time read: **9:14**
